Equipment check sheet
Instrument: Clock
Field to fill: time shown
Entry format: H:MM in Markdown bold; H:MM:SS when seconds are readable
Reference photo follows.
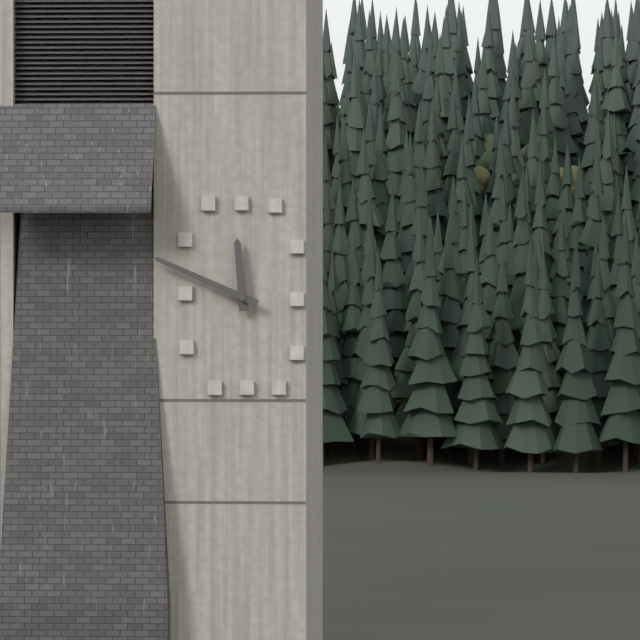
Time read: **11:49**
